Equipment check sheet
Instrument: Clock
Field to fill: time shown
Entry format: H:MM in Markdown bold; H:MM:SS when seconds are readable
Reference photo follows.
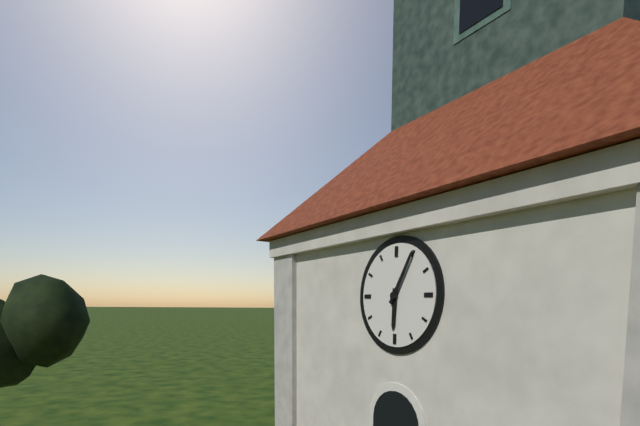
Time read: **6:05**
